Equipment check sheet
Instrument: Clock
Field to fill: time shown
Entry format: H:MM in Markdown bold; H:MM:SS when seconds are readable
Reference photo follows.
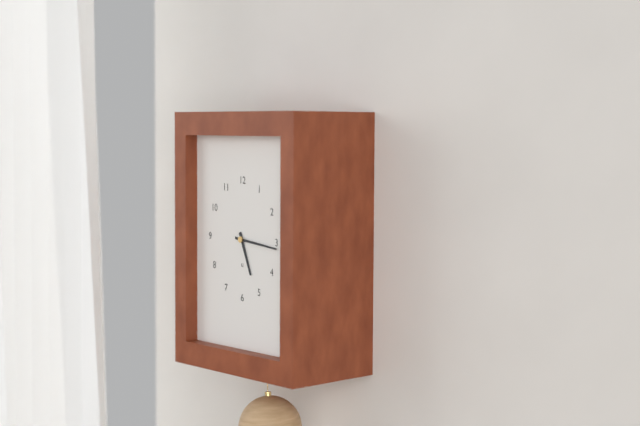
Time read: **5:16**
